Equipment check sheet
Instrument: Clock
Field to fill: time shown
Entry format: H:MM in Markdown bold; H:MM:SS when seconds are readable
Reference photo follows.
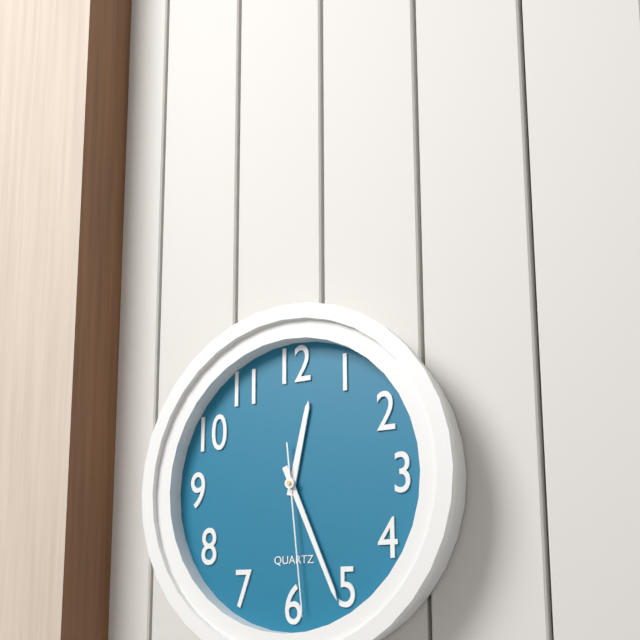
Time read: **12:26:29**
